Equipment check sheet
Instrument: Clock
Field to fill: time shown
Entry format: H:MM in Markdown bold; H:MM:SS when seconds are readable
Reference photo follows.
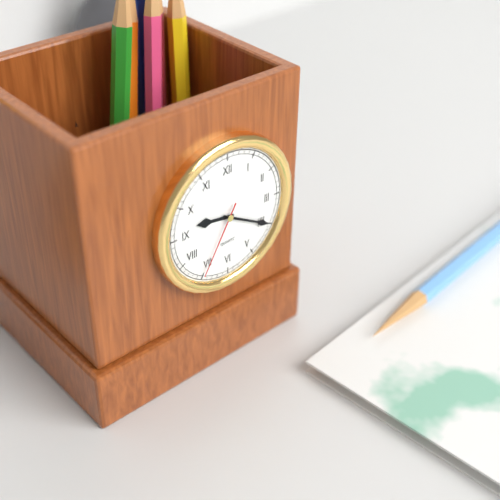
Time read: **9:20:35**
